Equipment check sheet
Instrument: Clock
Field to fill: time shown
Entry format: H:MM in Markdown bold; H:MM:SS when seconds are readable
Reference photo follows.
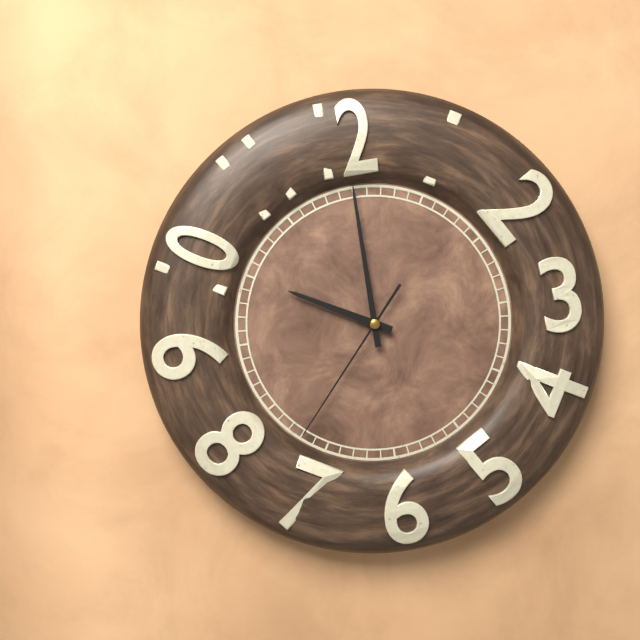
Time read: **10:00:37**
